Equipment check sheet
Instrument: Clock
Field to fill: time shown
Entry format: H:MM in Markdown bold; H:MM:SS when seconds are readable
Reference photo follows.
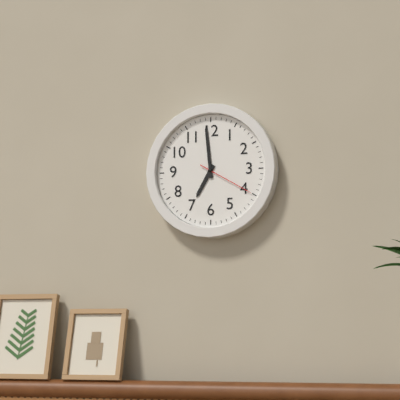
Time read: **6:59:20**
